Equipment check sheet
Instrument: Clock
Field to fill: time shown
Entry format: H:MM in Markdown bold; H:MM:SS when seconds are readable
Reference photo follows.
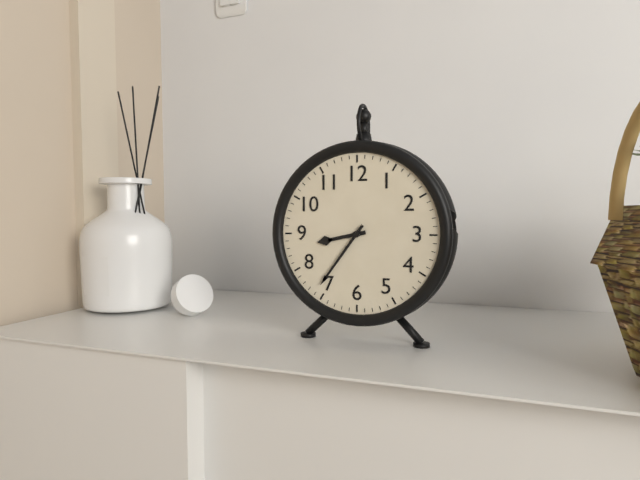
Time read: **8:36**
